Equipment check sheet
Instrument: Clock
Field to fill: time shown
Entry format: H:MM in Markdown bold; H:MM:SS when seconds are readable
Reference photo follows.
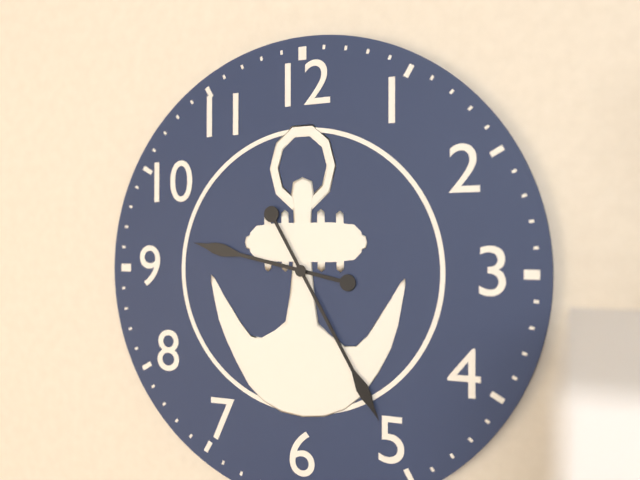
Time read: **9:25**
